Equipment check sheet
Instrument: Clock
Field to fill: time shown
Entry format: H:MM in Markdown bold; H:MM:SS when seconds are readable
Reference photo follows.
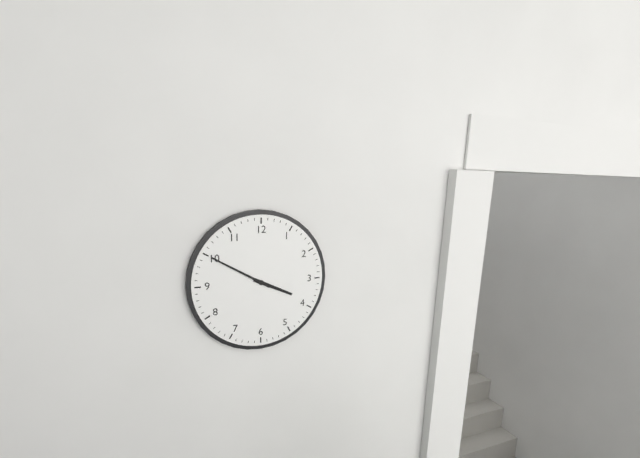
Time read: **3:50**
